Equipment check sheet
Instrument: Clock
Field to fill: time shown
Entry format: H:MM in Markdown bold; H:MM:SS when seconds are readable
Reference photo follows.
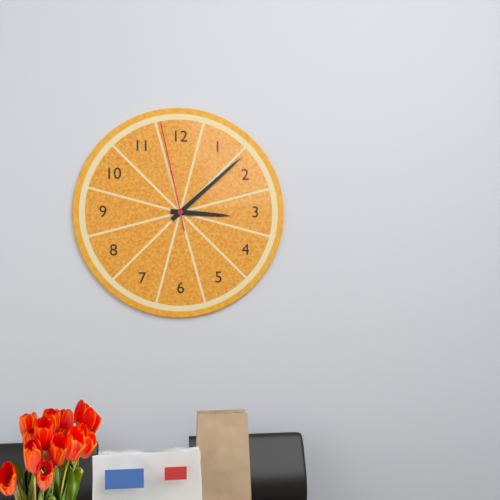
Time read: **3:08:58**
